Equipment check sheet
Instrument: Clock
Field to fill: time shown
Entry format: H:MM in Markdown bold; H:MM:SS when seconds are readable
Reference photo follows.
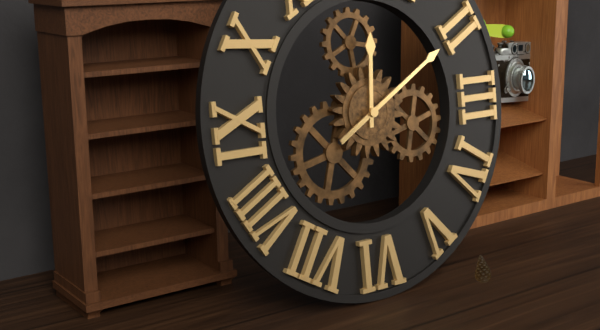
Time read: **12:10**
